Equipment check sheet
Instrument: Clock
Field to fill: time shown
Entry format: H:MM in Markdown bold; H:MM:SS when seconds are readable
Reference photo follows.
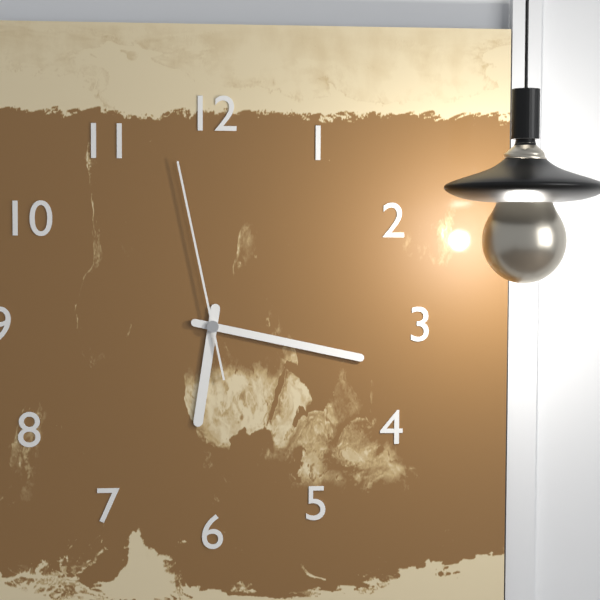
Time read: **6:17:58**
